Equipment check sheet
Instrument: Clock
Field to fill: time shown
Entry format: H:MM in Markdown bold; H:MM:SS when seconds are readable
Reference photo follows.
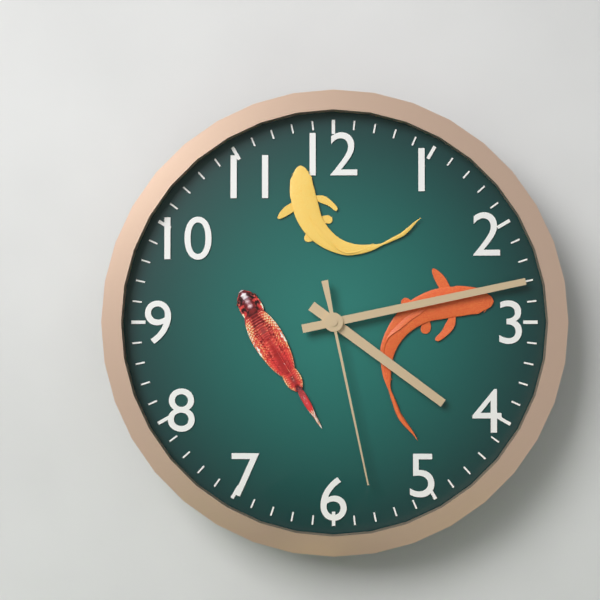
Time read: **4:13:28**
